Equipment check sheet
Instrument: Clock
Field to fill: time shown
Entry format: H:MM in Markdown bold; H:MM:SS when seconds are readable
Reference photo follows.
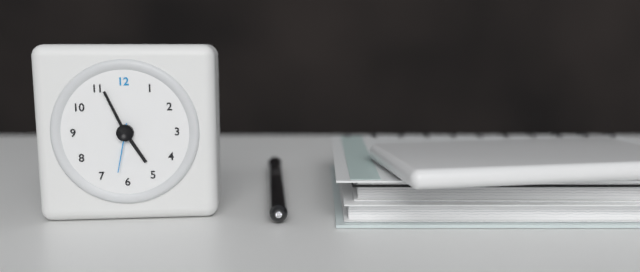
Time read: **4:56:32**
